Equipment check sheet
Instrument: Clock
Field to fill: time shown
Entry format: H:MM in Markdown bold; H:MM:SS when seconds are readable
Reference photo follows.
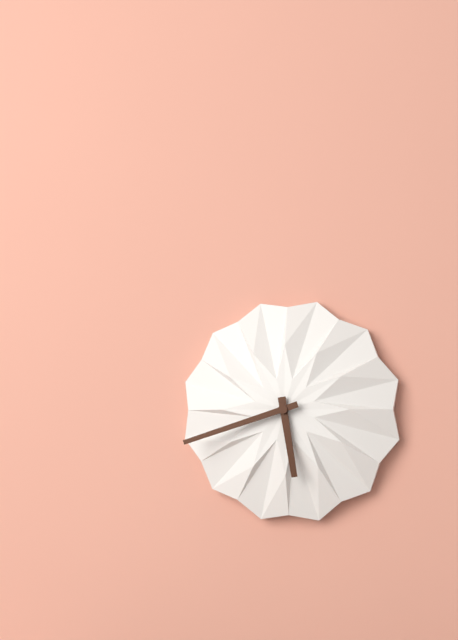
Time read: **5:42**
